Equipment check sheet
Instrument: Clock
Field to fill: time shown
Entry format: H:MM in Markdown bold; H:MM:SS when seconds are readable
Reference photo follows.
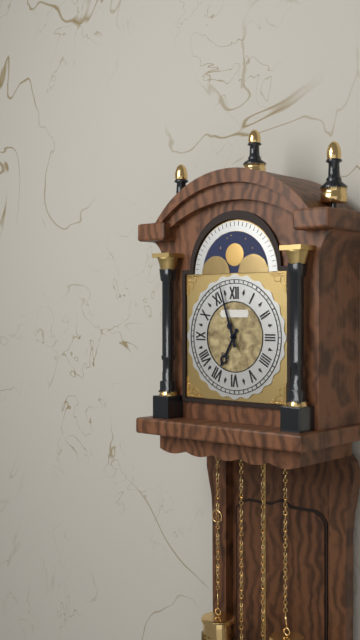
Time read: **6:57**
